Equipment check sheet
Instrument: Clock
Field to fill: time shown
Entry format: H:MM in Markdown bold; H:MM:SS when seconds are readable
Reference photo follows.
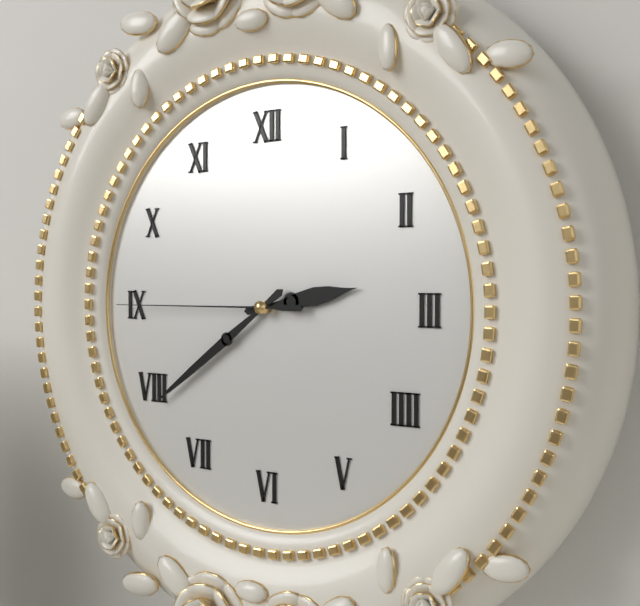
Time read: **2:39:45**
